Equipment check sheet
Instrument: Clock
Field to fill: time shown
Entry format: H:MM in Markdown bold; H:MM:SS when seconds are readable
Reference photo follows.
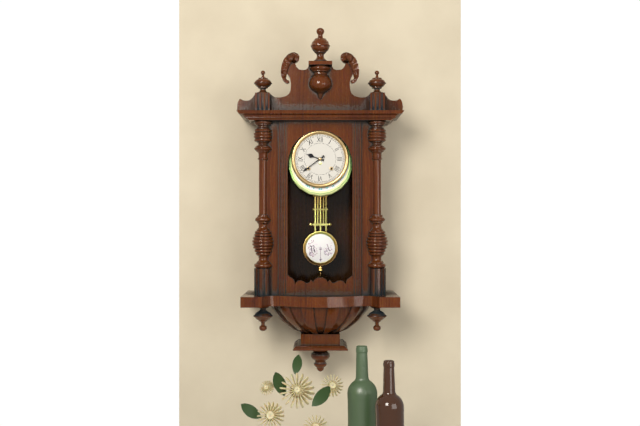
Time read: **9:39**
